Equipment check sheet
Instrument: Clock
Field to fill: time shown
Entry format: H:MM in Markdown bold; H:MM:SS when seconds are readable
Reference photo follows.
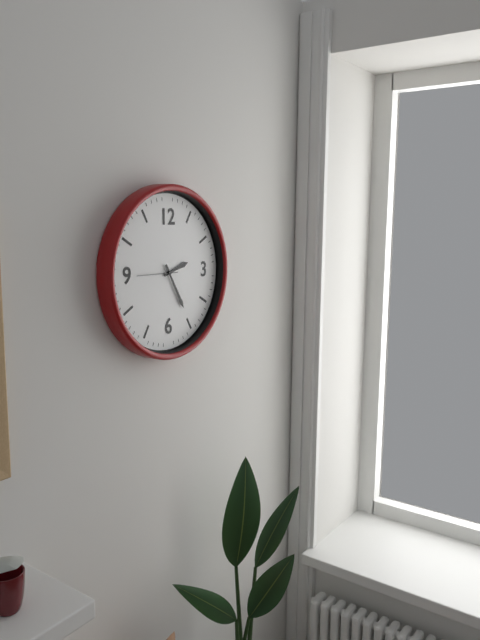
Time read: **2:25**
